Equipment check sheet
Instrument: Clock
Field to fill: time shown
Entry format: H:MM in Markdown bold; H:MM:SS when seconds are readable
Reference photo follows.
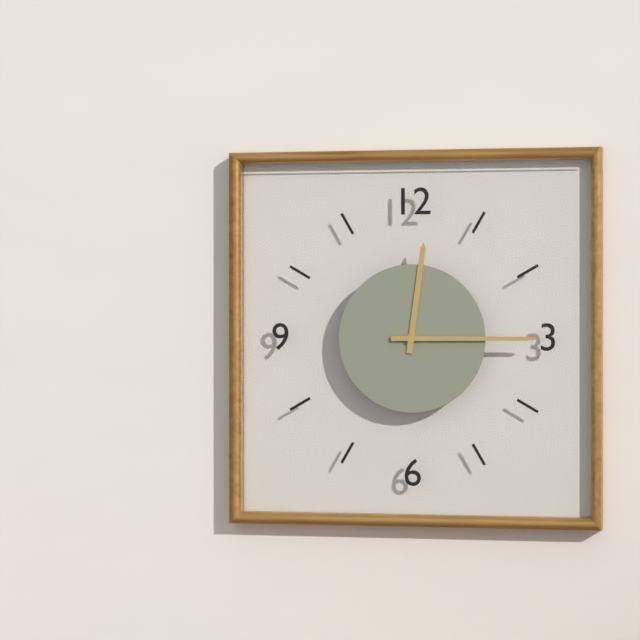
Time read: **12:15**
